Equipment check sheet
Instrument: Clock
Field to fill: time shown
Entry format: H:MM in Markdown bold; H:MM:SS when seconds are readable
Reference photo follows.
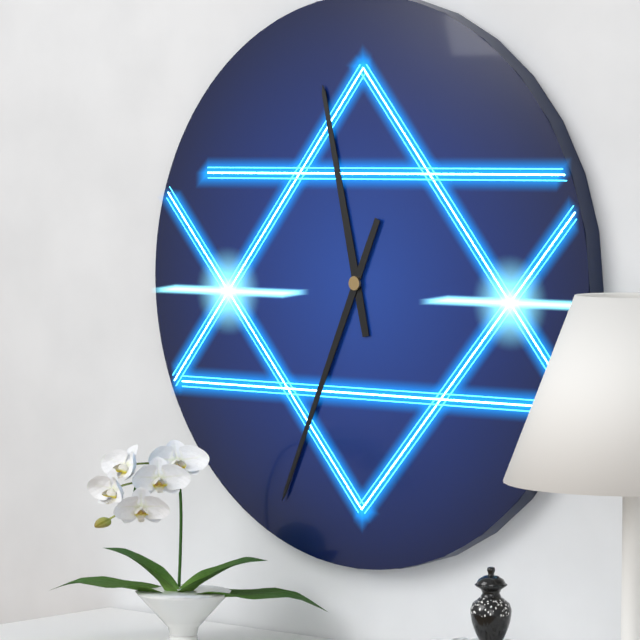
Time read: **11:34**
